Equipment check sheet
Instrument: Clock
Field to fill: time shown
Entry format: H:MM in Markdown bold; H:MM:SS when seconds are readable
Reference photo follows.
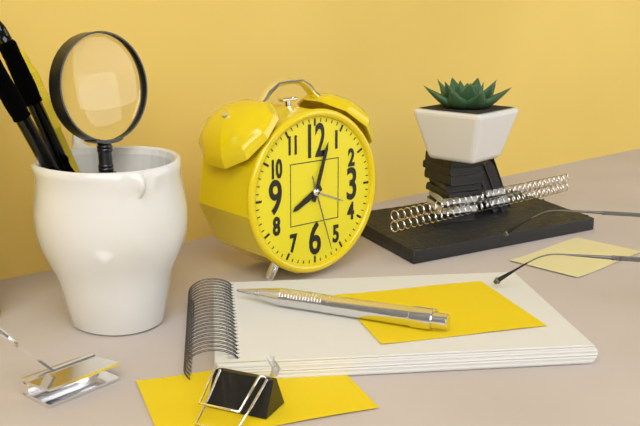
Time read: **8:03:27**
